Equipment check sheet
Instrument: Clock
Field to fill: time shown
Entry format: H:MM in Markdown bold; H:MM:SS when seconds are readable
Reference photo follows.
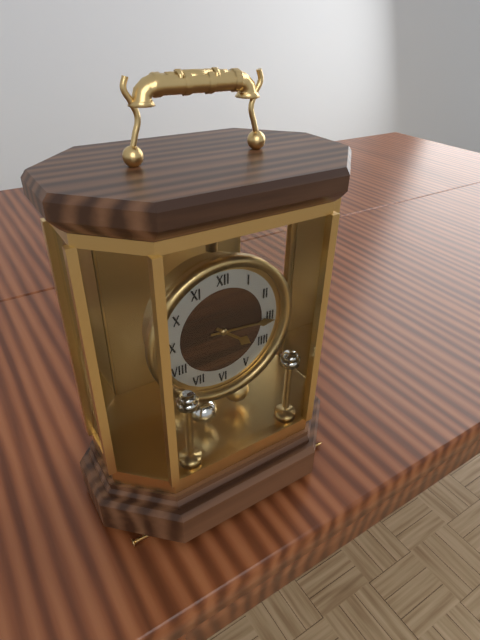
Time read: **4:16**
